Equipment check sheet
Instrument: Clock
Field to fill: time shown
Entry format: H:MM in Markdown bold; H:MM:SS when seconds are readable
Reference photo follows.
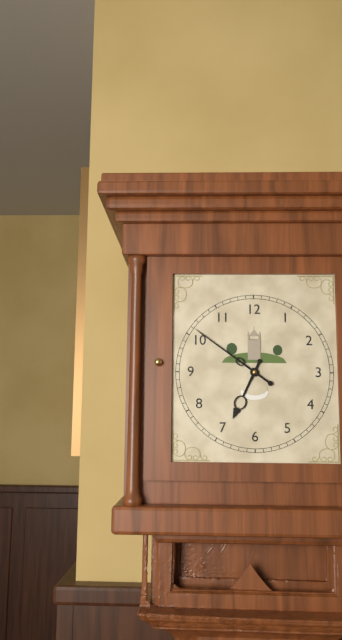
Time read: **6:51**
